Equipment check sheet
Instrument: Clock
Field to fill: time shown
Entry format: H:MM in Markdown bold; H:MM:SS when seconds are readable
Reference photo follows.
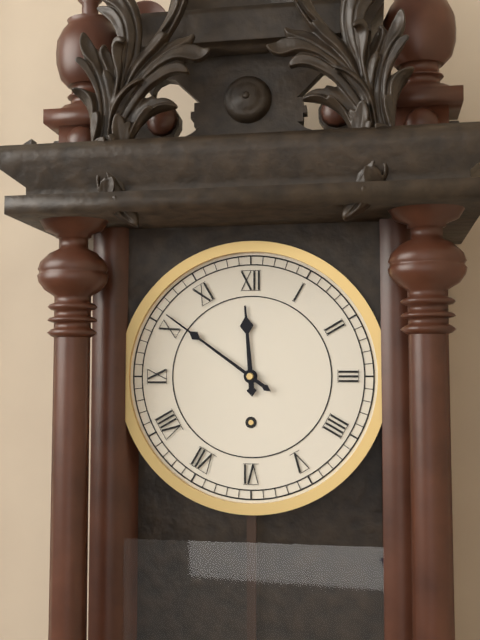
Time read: **11:51**
